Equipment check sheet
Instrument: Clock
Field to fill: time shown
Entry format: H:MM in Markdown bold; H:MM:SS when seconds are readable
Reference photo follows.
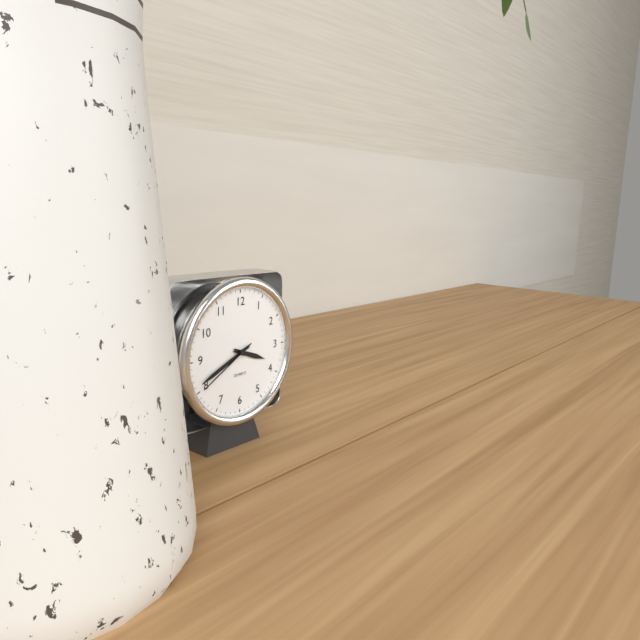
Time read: **3:41:40**
